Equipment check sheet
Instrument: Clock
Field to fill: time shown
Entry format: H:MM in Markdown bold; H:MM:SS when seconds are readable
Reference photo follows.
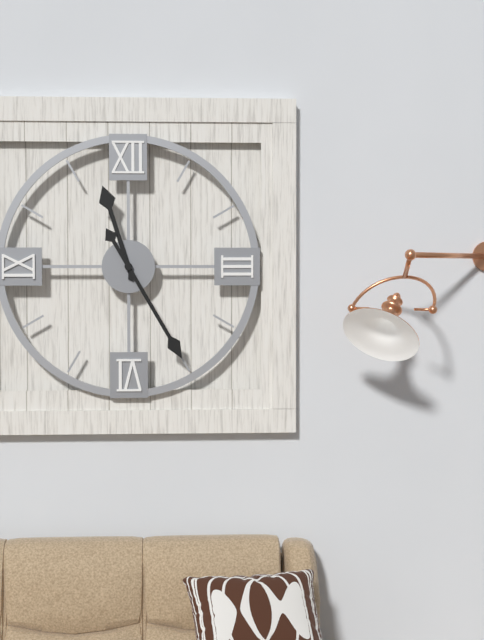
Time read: **11:25**
